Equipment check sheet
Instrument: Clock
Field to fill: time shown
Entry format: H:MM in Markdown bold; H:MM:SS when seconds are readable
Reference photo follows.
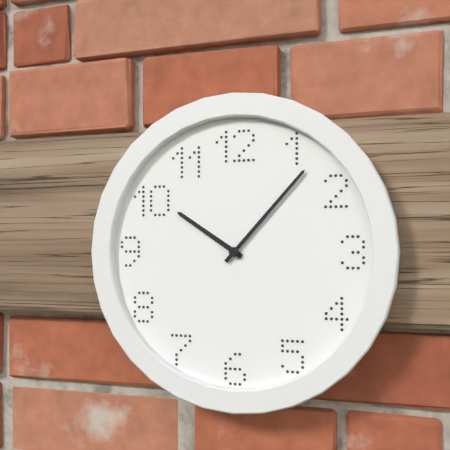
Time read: **10:07**
